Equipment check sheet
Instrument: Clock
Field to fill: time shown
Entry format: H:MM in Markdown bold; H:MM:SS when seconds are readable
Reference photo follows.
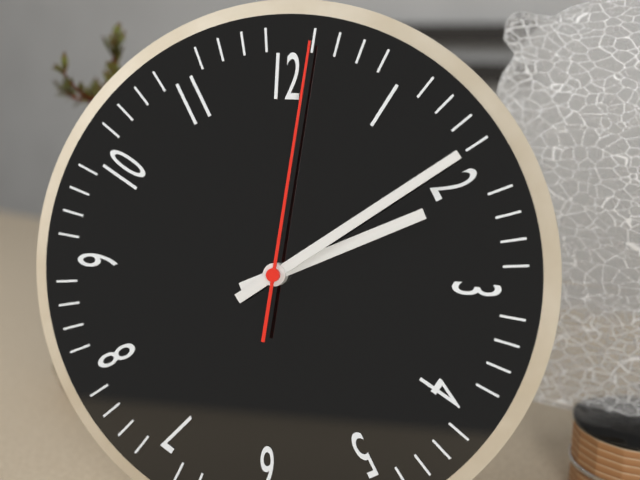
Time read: **2:09:01**
